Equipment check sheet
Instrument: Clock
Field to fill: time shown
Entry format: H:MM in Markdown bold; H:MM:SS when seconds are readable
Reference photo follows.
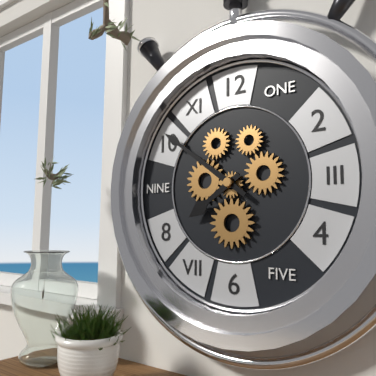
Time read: **7:51**
